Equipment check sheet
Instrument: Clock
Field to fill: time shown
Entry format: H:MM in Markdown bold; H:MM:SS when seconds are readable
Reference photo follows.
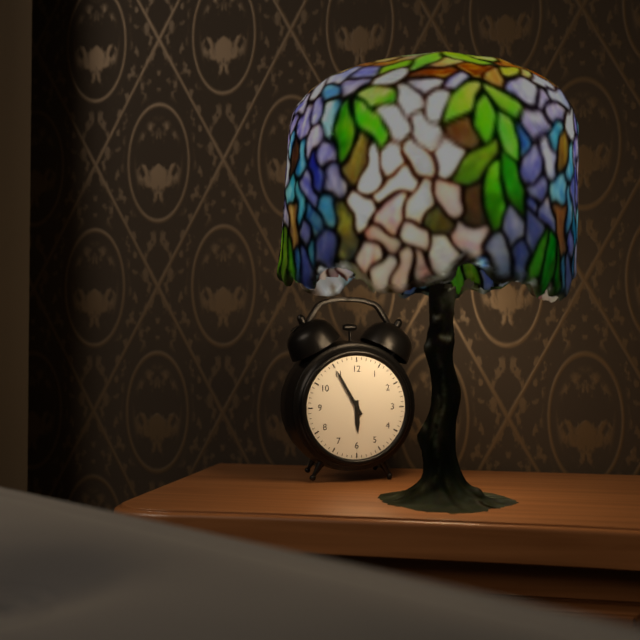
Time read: **5:55**
